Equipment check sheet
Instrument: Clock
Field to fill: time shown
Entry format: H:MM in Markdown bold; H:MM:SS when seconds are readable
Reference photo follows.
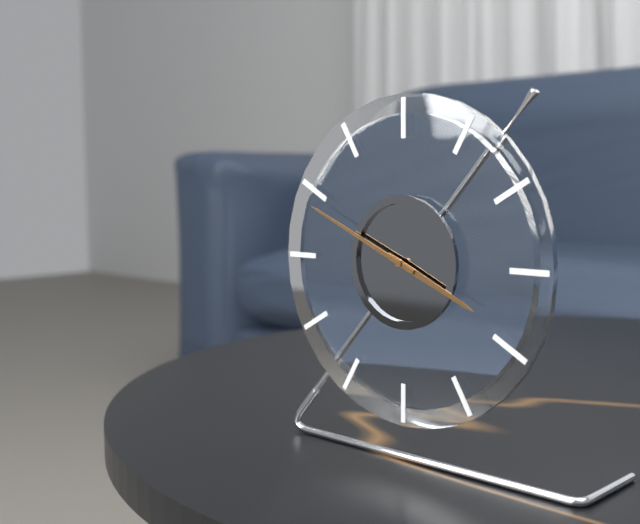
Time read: **3:49**
